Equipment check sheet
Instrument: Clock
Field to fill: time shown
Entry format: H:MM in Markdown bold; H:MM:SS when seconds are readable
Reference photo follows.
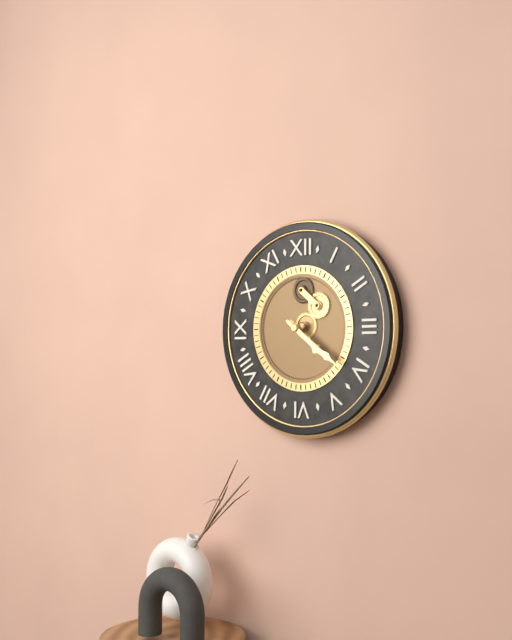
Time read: **4:21**
